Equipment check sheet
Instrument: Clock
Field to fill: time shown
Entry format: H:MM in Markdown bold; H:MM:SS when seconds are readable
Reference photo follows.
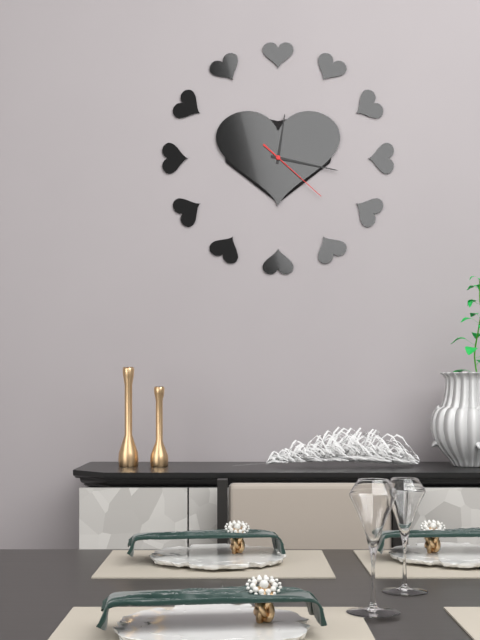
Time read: **12:17:22**
